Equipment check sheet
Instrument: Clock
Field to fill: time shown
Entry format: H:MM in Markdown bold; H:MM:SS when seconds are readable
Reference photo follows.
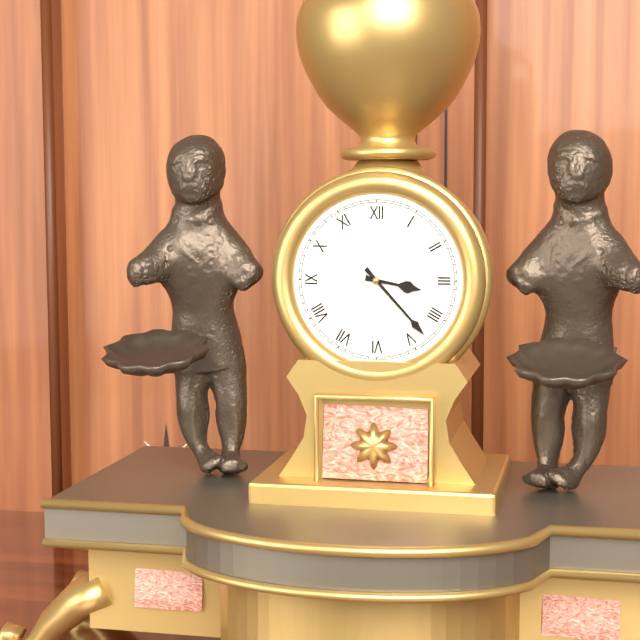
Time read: **3:23**
